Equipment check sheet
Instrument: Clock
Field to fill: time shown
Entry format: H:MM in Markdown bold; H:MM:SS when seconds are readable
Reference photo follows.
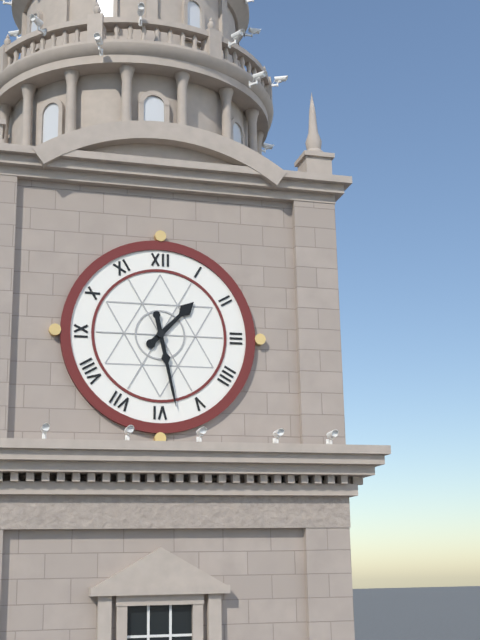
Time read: **1:28**
